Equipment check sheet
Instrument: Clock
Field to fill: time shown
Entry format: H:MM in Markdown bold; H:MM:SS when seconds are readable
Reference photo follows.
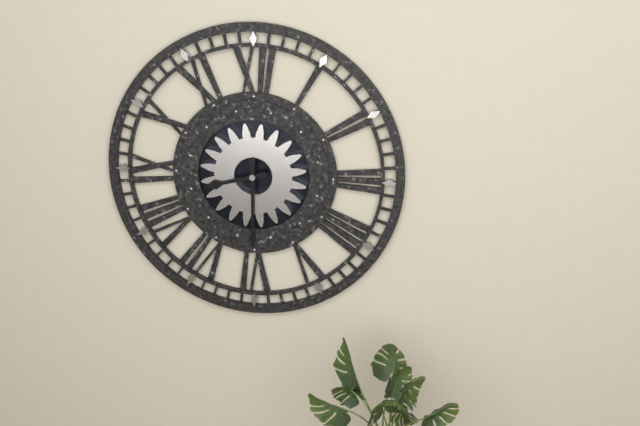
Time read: **8:30**
